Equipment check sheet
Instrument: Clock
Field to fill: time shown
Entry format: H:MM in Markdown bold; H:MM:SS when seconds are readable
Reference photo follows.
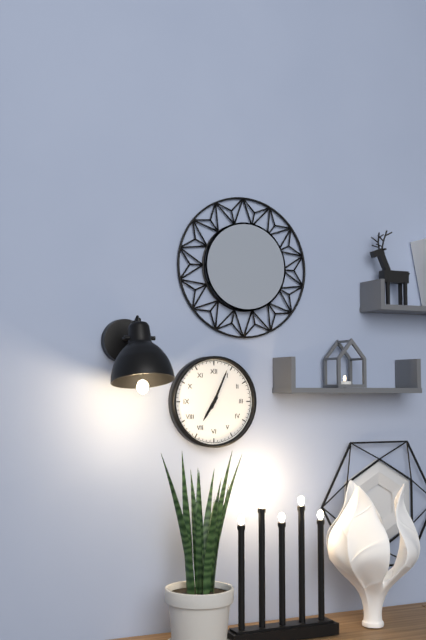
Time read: **7:04**
